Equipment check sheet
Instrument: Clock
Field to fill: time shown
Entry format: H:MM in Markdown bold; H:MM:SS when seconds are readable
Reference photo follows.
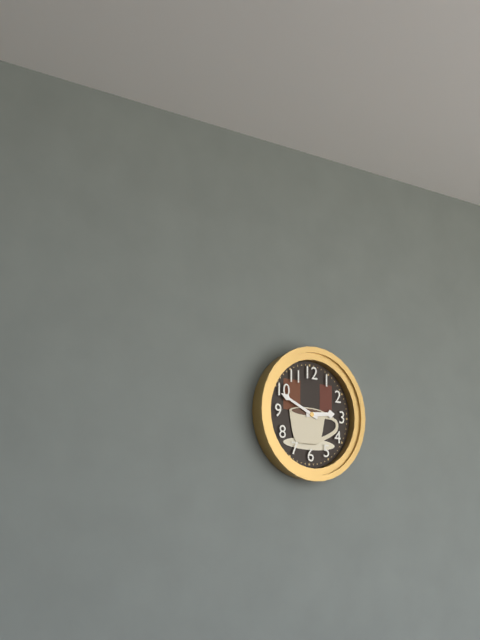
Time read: **2:49**
